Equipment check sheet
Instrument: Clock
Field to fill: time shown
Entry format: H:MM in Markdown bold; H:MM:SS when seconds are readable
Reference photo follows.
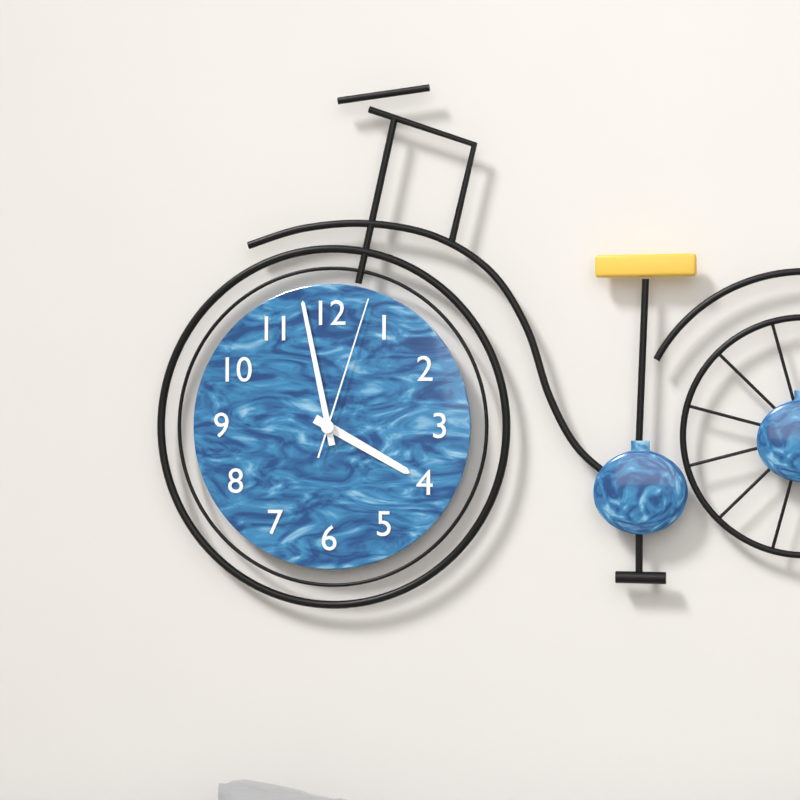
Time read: **3:58:03**
